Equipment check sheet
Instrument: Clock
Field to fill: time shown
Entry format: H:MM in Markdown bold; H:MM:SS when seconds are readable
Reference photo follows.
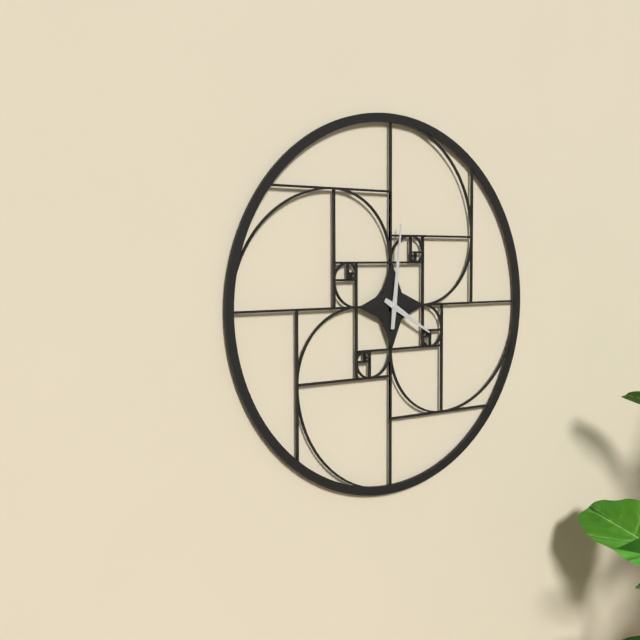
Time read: **4:01**
